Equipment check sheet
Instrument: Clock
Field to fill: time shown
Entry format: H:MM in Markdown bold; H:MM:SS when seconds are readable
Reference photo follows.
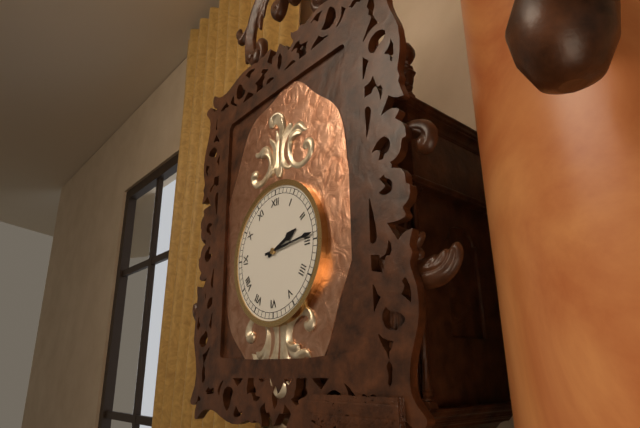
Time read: **2:14**
